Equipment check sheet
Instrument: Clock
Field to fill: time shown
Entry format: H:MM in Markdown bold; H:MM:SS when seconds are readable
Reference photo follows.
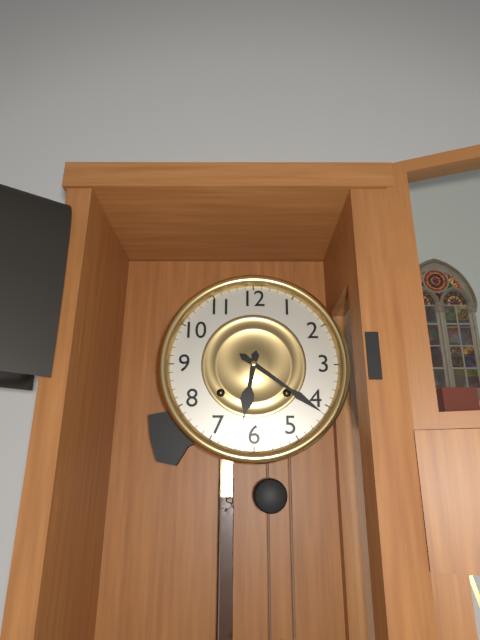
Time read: **6:21**
